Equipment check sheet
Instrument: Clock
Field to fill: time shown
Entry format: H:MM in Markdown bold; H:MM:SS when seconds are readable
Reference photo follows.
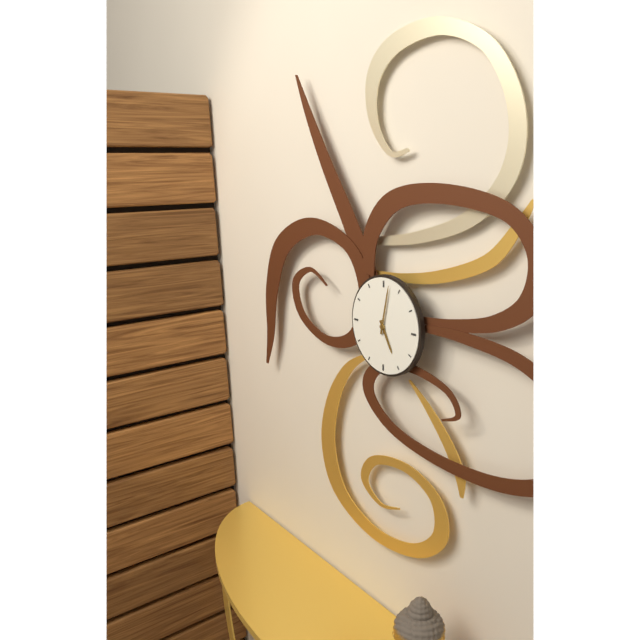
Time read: **5:02**
